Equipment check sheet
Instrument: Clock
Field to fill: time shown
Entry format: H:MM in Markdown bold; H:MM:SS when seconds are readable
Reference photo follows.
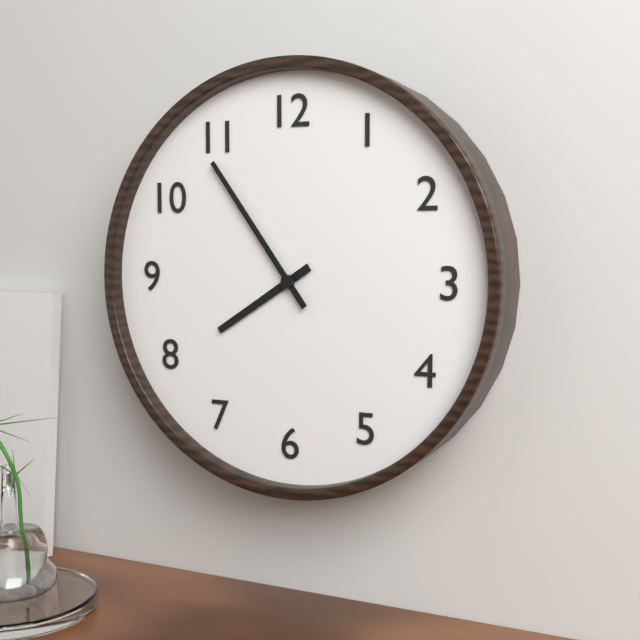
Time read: **7:54**
